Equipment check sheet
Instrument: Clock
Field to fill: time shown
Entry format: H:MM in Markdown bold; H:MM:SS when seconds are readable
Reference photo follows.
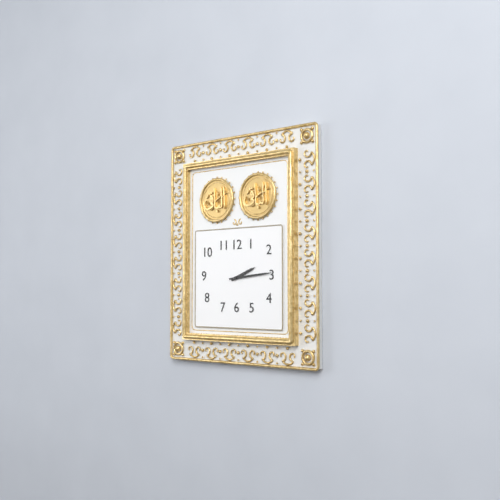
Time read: **2:14**
